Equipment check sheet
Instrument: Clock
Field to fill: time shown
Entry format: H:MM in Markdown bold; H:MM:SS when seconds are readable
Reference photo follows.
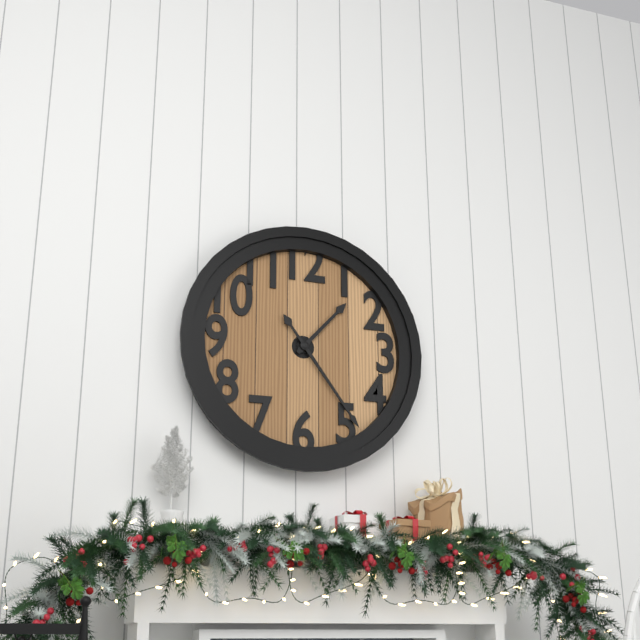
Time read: **1:24**
